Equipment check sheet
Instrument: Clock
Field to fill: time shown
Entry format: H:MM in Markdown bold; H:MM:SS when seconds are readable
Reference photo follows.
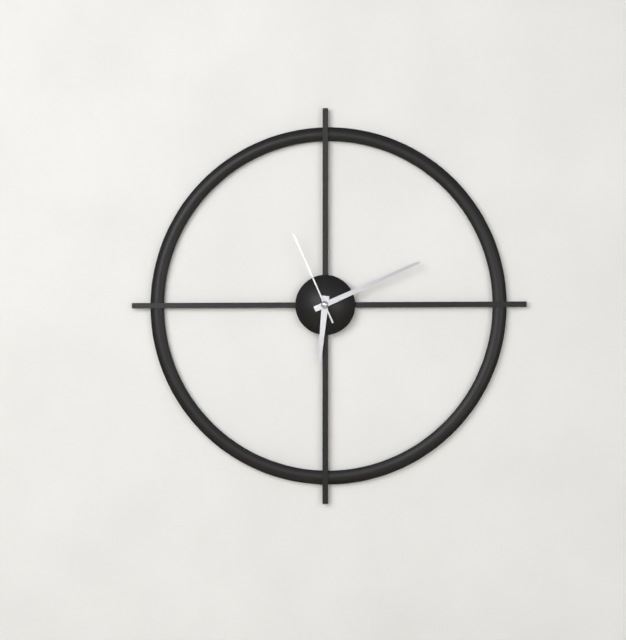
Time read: **6:11:56**
